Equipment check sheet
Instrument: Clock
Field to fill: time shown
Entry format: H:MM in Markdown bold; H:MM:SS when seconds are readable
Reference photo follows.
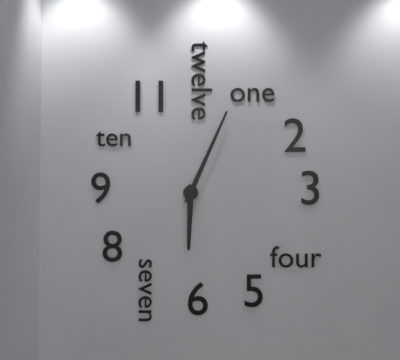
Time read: **6:04**
